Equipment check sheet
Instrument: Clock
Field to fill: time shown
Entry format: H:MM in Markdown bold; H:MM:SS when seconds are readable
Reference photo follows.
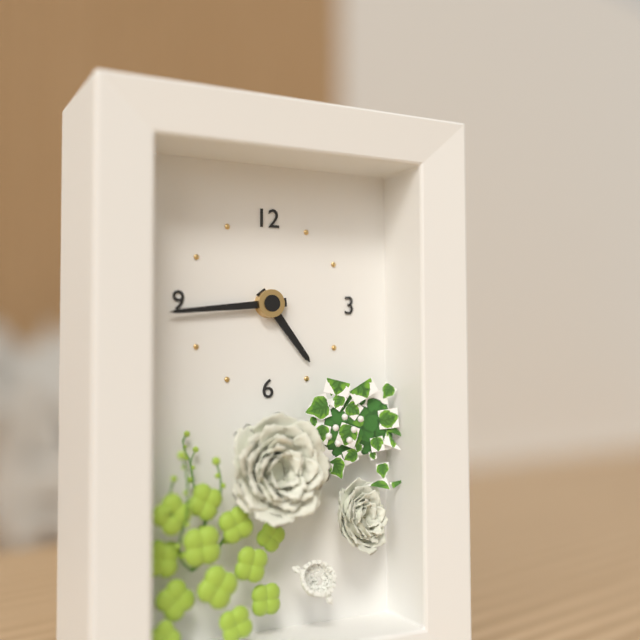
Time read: **4:44**
